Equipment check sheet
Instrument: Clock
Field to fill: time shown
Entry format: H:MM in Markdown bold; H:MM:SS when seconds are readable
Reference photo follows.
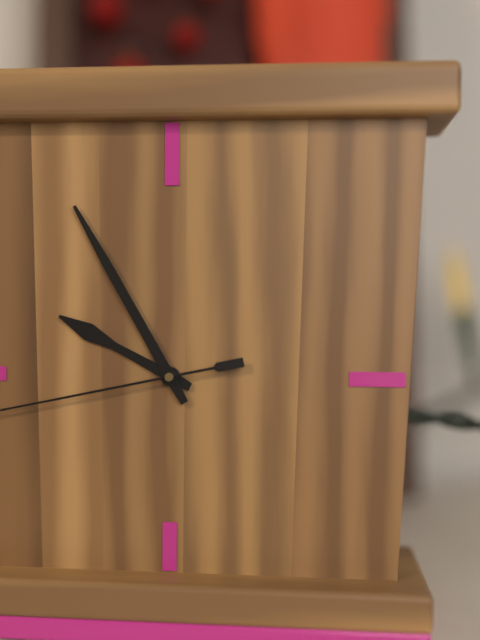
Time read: **9:55**
